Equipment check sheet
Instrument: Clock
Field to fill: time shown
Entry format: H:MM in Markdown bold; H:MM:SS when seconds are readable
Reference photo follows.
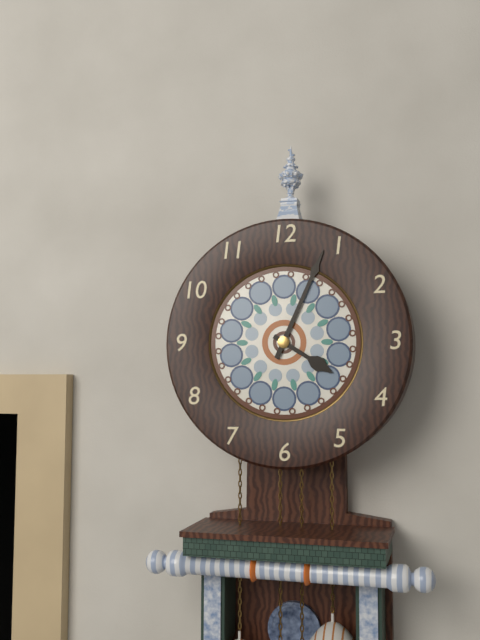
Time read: **4:04**
